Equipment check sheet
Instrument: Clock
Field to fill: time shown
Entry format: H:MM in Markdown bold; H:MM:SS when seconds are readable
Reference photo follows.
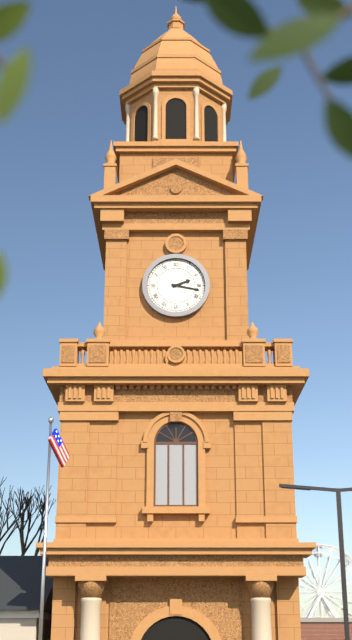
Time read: **2:17**
